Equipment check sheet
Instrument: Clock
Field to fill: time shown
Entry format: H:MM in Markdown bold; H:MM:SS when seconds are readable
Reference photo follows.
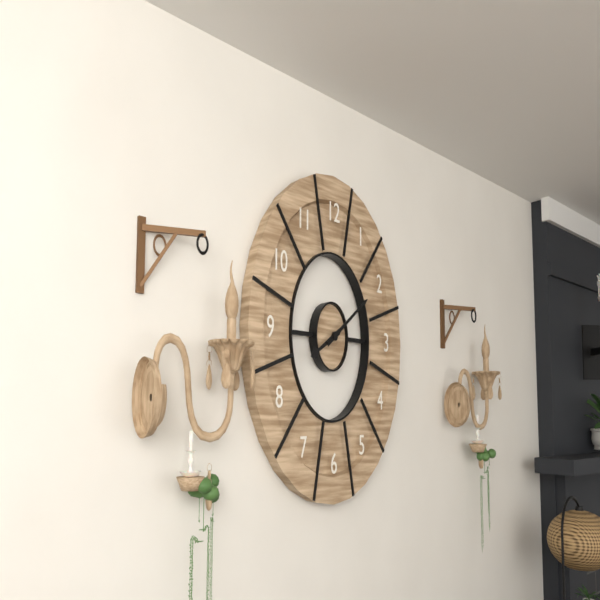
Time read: **8:10**
